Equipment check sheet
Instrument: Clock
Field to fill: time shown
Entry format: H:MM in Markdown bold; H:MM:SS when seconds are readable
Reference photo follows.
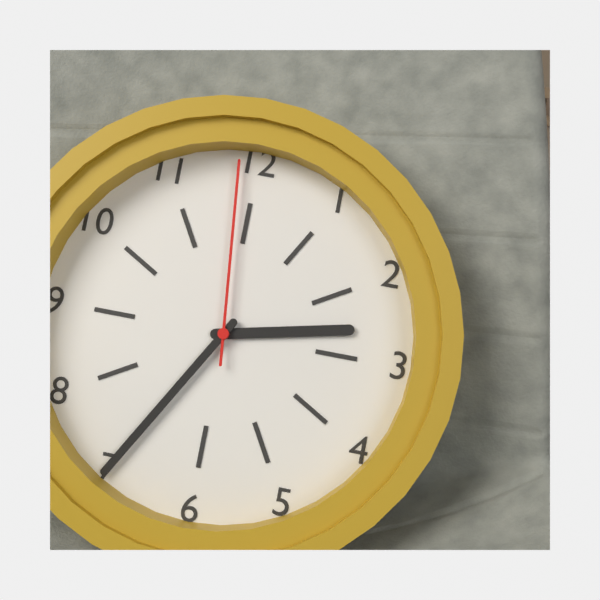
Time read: **2:35:59**
